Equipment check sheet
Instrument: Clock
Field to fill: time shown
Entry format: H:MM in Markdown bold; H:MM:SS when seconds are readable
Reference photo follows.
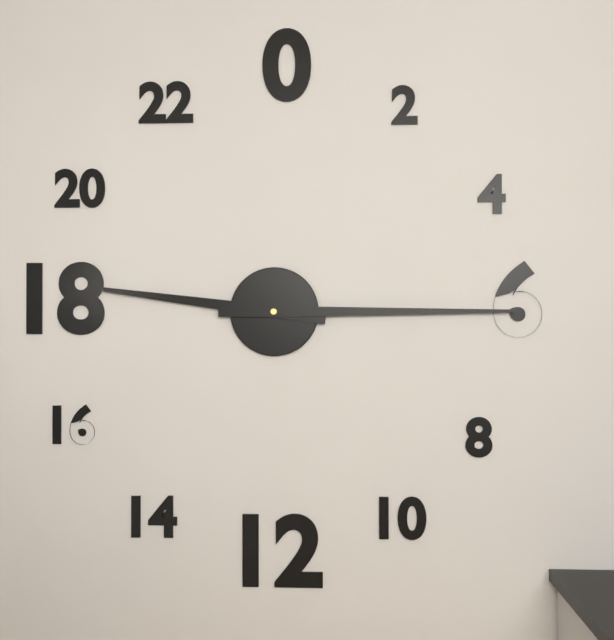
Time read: **9:15**
